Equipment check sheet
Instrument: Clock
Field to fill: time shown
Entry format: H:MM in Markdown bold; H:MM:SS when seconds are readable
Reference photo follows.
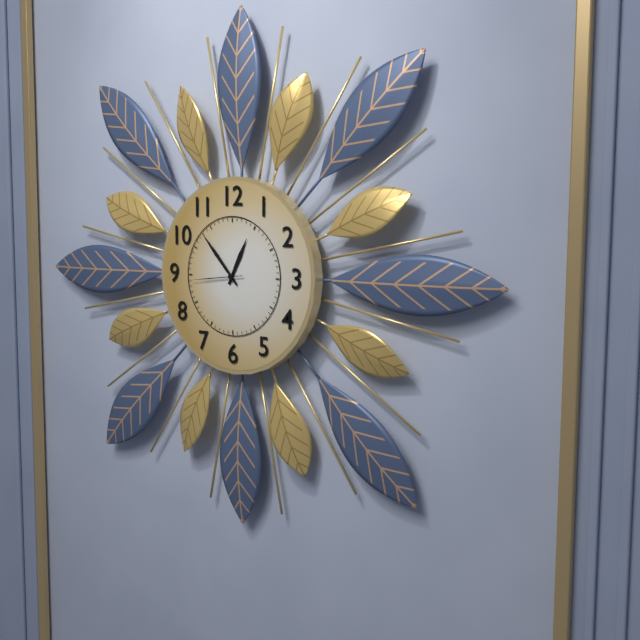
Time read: **12:53:44**
